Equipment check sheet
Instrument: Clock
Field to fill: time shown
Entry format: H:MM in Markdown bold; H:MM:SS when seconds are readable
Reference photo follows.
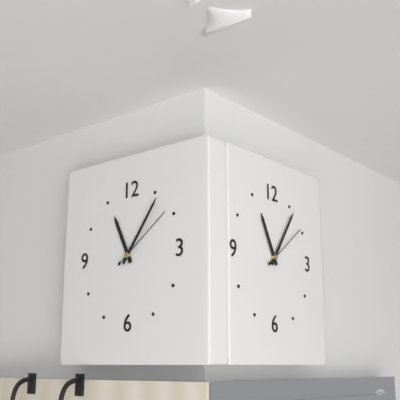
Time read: **11:06:09**
